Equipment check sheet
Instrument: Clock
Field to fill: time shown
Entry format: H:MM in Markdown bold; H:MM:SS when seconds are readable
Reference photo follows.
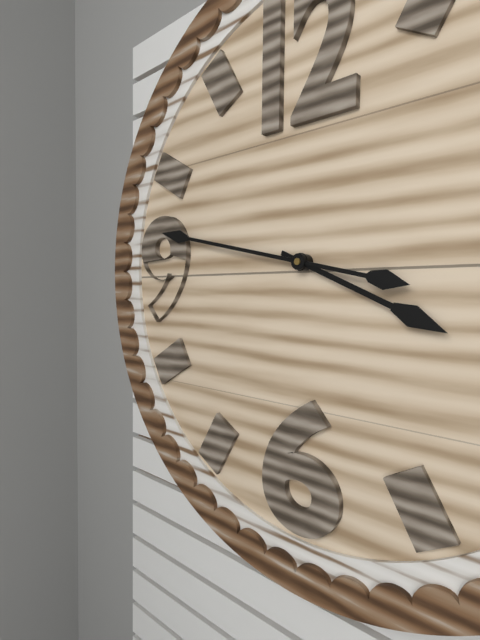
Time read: **3:47**
